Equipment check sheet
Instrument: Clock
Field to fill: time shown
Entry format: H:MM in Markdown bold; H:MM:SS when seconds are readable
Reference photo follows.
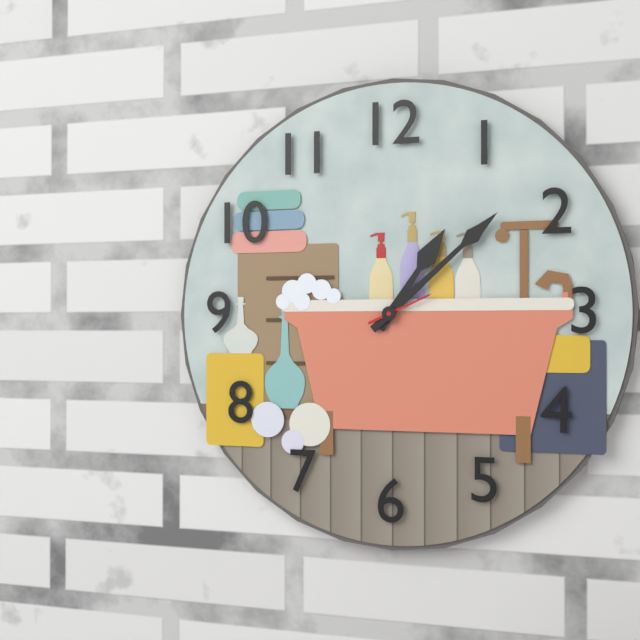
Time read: **1:08:11**
